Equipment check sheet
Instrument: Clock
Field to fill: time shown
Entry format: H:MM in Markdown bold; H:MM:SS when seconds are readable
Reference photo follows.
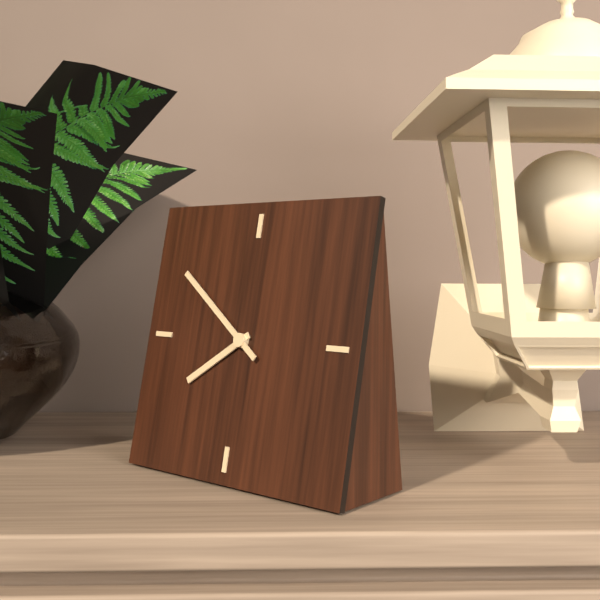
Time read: **7:51**
